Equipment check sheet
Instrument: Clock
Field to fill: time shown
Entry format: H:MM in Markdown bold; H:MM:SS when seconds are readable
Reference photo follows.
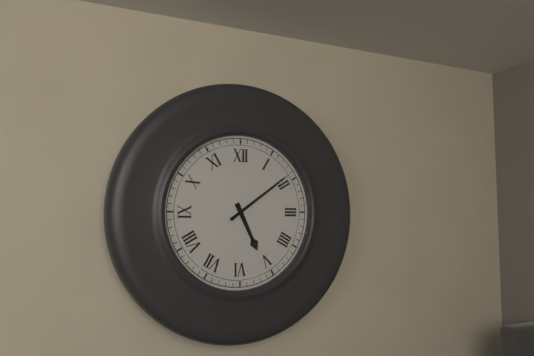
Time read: **5:09**
